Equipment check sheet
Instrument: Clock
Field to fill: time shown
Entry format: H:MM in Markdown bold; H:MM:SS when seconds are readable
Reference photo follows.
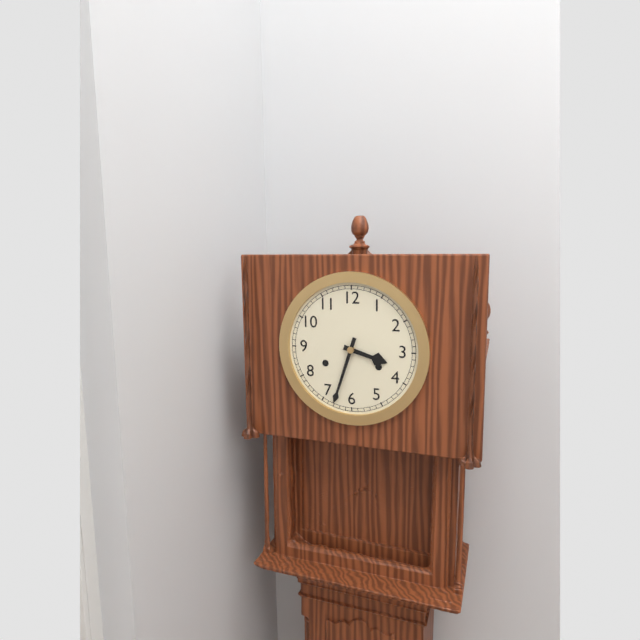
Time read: **3:33**
